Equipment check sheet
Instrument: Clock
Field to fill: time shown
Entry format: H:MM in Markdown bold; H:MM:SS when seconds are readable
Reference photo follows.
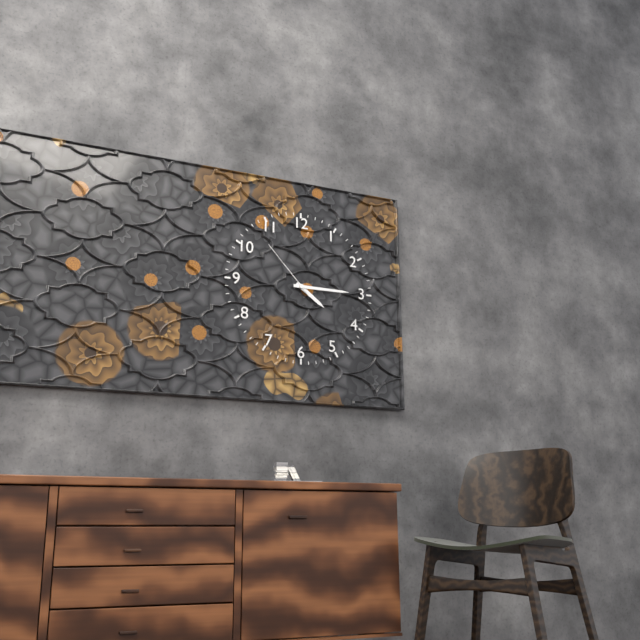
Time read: **4:15:53**
